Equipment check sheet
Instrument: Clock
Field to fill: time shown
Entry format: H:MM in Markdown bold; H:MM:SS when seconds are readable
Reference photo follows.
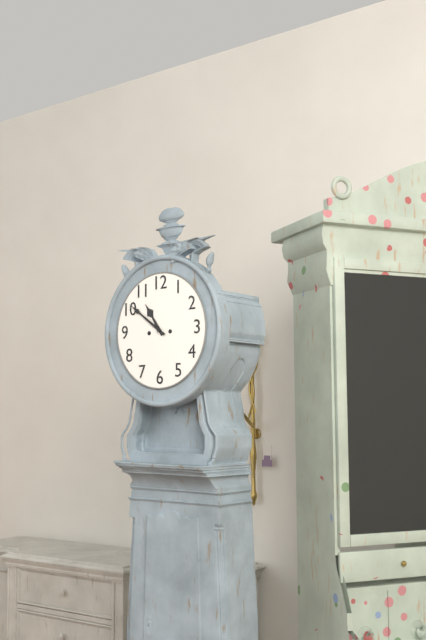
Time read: **10:51**
